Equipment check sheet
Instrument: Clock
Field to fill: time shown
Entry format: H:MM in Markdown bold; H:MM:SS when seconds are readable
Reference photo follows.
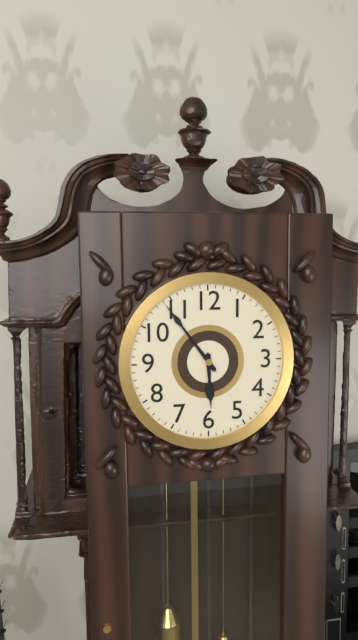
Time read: **5:54**
